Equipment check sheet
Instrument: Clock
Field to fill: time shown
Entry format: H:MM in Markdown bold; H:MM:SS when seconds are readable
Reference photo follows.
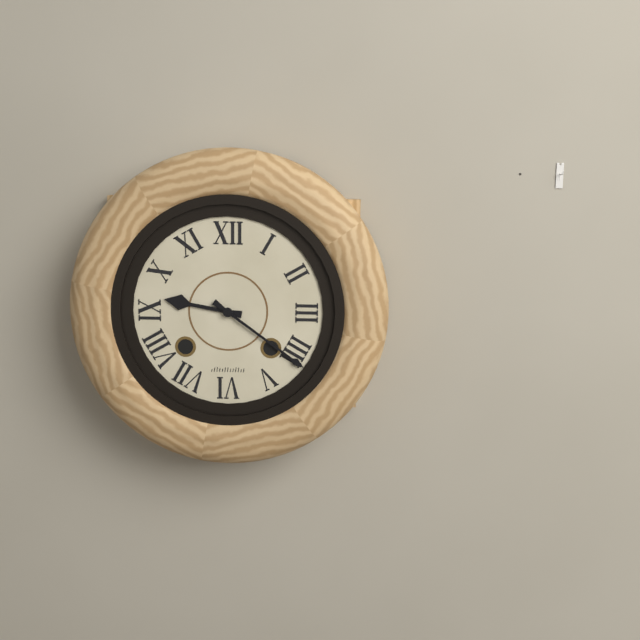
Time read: **9:21**
